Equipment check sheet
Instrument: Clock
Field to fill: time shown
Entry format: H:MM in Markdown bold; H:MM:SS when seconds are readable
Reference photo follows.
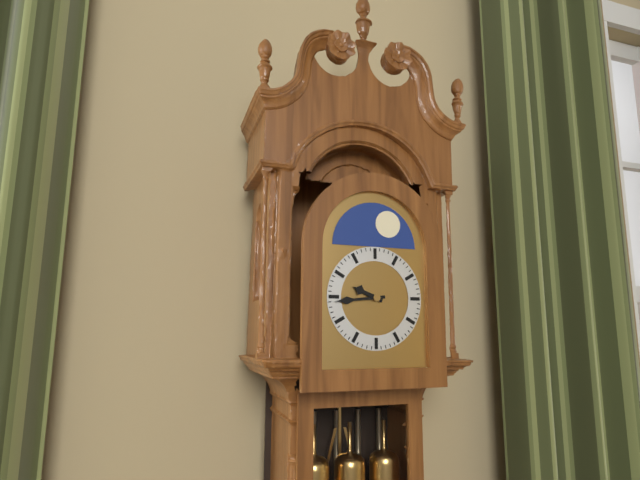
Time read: **9:44**
